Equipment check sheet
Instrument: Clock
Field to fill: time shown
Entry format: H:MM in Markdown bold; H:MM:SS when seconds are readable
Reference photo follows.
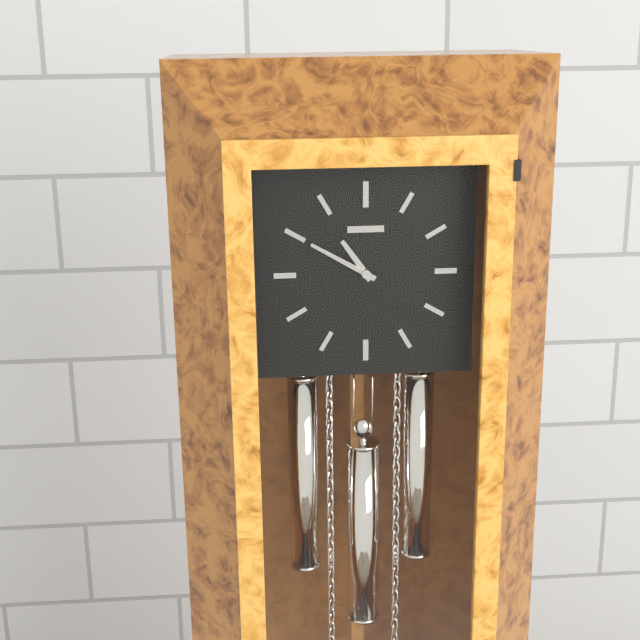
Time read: **10:50**
